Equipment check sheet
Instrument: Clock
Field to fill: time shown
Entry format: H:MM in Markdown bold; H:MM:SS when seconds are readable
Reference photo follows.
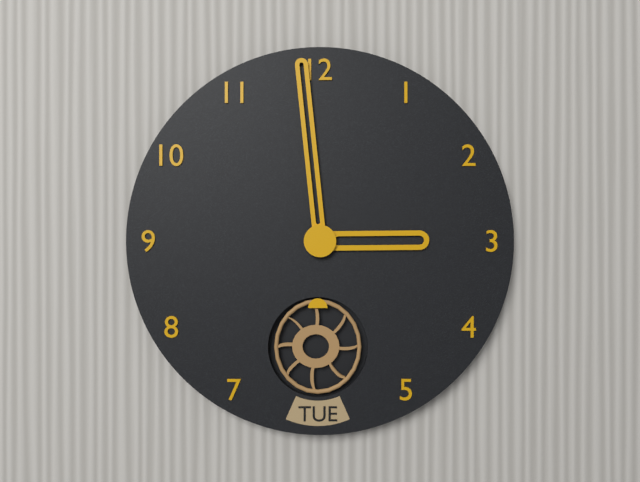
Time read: **2:59**
